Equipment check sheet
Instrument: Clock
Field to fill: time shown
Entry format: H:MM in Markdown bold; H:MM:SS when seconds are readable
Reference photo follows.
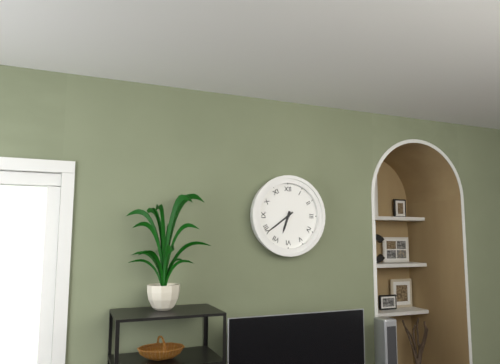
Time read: **6:39**
